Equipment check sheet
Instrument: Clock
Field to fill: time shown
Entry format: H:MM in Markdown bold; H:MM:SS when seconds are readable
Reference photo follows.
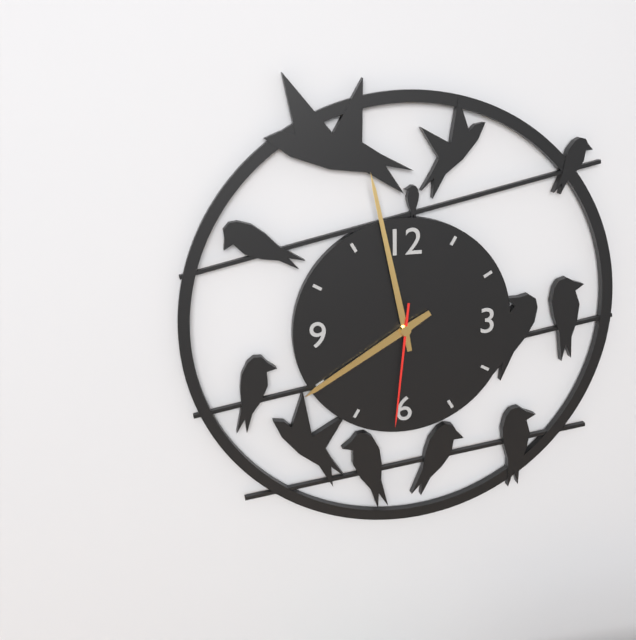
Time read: **7:58:31**
